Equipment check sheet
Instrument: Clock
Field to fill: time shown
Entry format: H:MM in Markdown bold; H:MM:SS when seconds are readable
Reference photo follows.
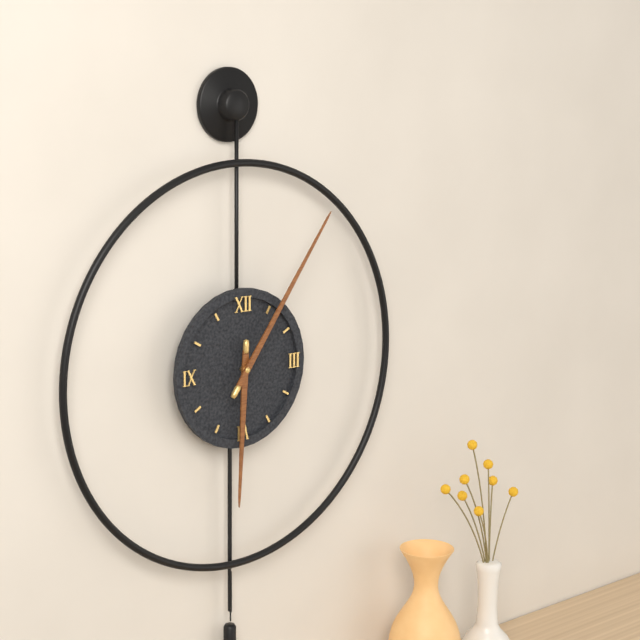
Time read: **6:06**
